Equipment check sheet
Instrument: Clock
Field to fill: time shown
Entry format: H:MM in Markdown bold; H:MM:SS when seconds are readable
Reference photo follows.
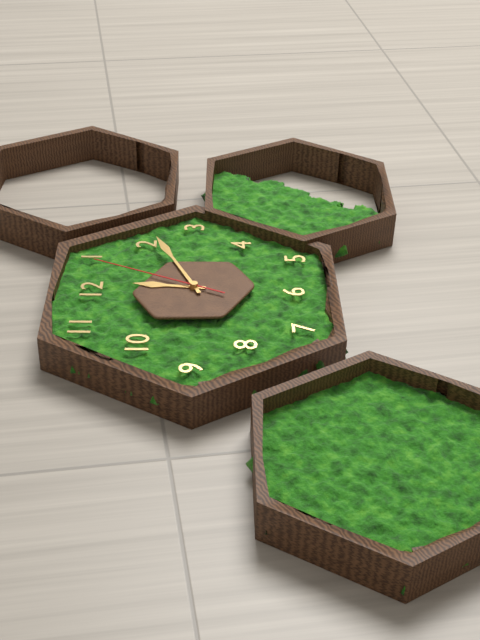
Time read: **12:11:04**
